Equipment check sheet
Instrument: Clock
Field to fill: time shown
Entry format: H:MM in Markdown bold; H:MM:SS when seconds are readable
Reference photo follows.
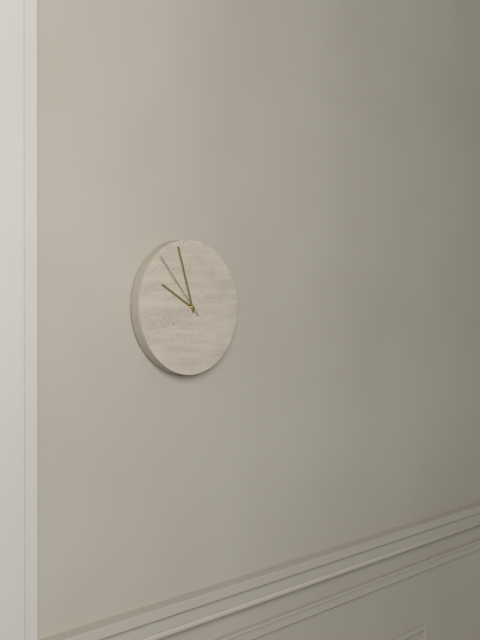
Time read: **9:57:53**
